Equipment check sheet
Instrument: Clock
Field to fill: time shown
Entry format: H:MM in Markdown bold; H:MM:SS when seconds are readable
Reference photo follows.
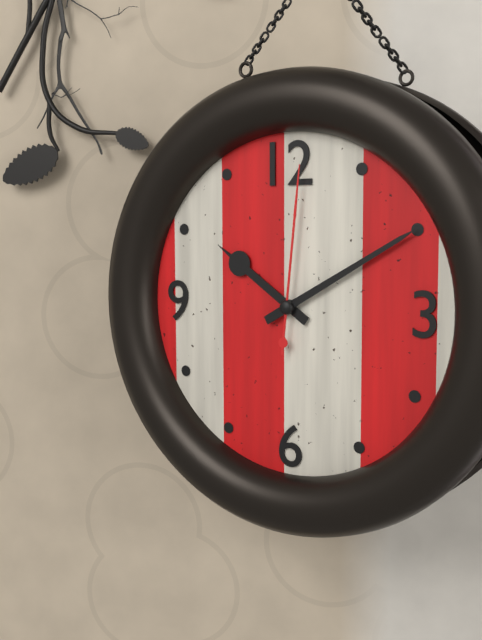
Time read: **10:10:01**
